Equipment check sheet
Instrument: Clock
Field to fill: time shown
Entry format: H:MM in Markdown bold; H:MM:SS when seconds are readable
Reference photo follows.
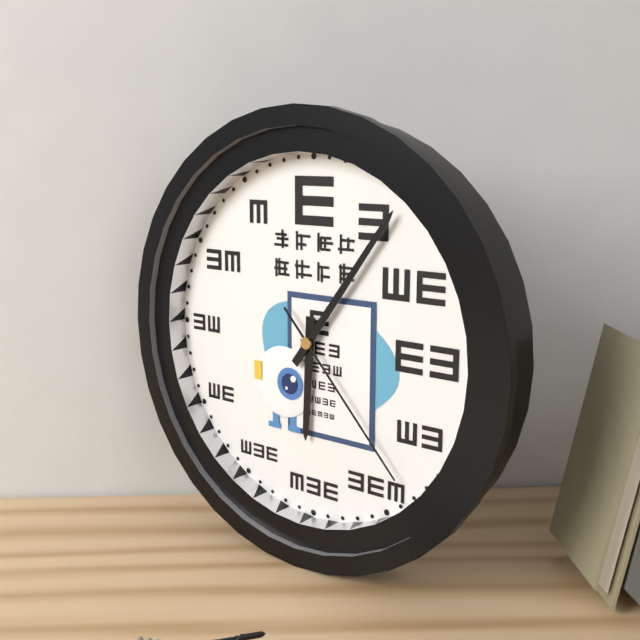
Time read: **6:06:23**
